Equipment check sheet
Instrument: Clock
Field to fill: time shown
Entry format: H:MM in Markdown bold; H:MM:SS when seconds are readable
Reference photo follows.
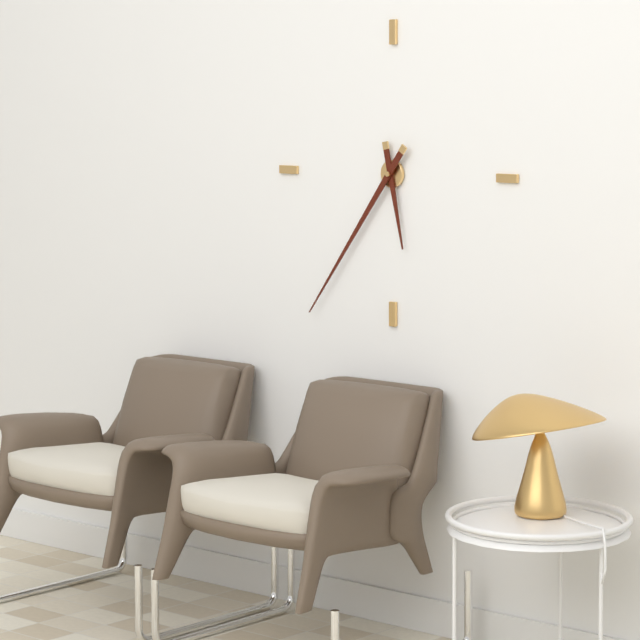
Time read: **5:36**
